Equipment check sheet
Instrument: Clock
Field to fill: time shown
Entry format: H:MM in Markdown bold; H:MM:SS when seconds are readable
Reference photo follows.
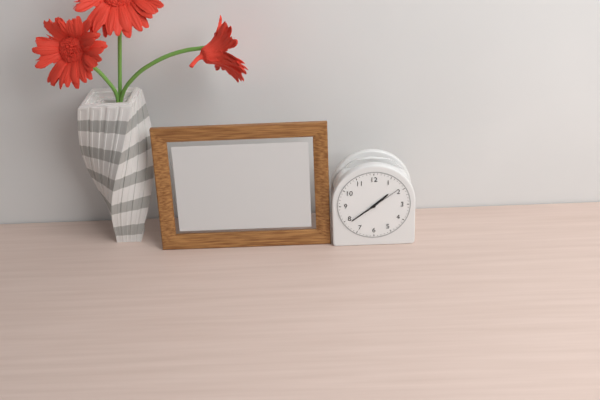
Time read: **1:39**
